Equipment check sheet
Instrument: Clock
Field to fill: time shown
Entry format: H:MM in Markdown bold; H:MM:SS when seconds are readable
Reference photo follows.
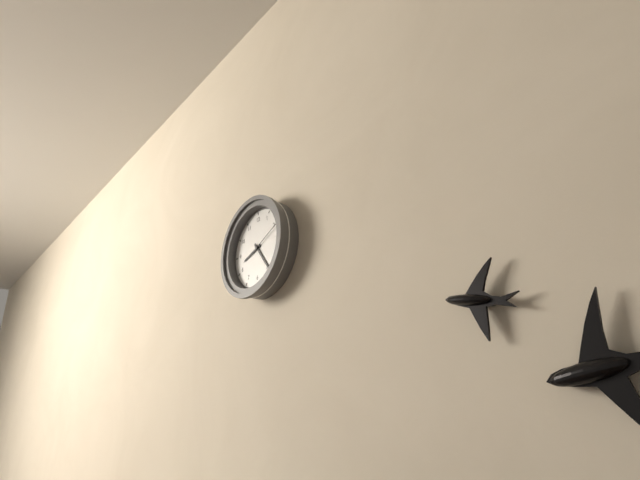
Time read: **8:24**
